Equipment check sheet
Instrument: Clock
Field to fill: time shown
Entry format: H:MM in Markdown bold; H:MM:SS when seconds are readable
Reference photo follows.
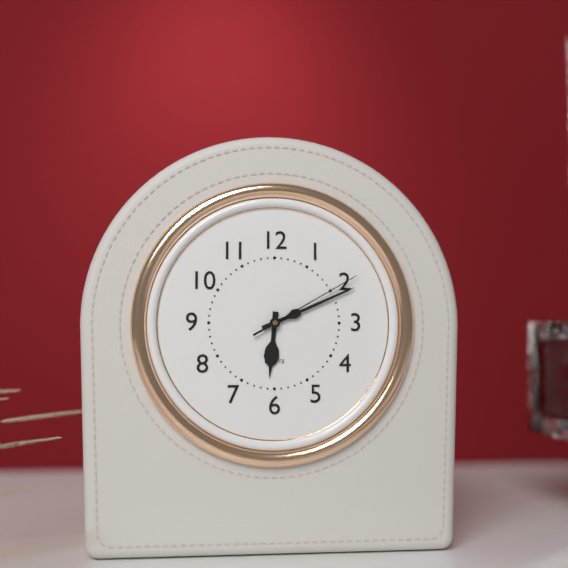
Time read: **6:11:10**
